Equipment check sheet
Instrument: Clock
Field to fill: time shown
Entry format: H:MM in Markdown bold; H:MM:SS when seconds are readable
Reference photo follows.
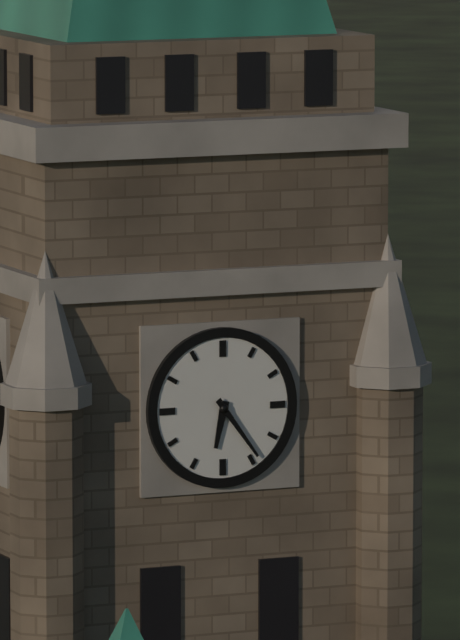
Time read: **6:24**
